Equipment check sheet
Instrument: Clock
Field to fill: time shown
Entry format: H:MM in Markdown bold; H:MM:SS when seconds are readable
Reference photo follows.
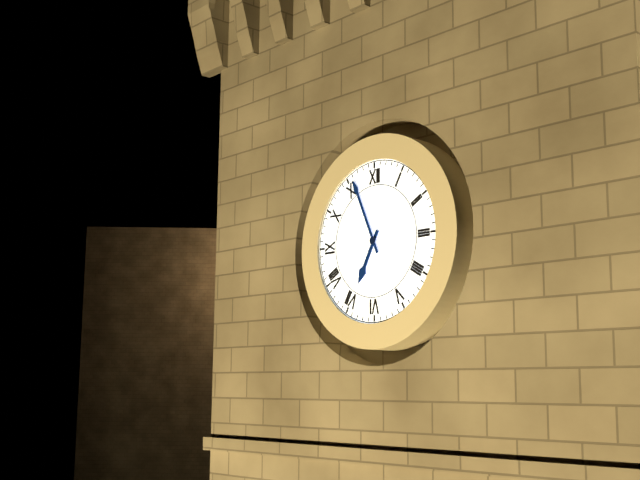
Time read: **6:56**
